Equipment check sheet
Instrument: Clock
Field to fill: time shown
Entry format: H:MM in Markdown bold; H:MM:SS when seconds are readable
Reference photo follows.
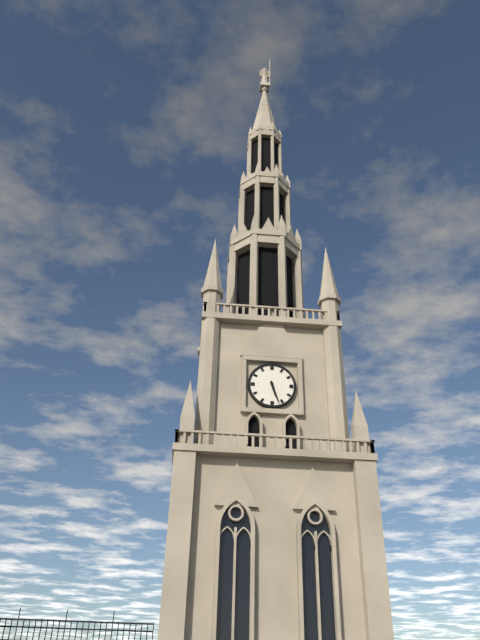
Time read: **5:27**
